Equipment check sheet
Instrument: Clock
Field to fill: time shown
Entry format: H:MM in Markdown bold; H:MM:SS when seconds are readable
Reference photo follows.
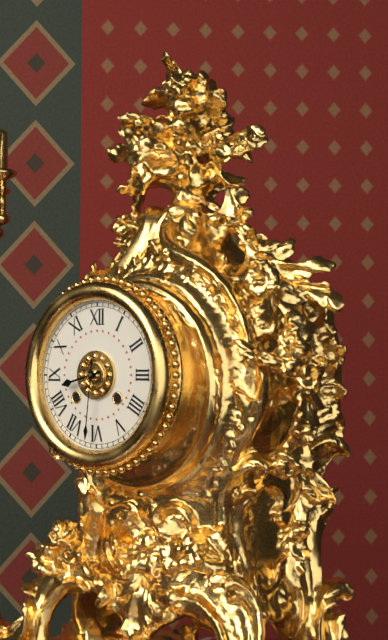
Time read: **8:31**
